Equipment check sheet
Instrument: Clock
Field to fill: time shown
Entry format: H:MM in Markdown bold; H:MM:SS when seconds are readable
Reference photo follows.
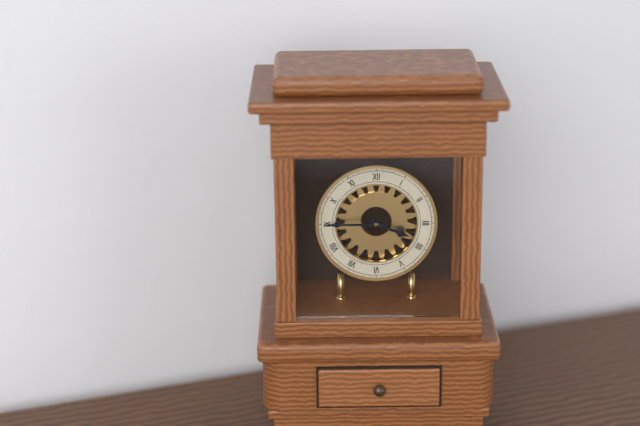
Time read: **3:45**
